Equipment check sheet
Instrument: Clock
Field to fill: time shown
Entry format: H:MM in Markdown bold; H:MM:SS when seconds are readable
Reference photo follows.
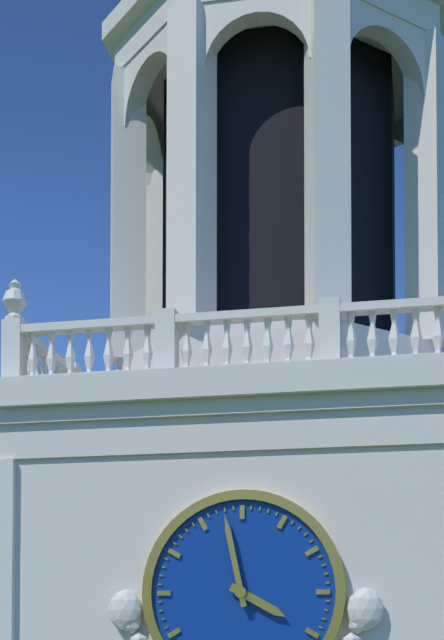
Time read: **3:58**
